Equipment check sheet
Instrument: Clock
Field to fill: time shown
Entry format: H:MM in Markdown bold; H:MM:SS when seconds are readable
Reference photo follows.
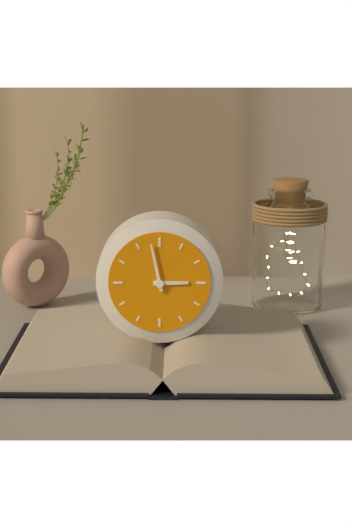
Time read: **2:58**
